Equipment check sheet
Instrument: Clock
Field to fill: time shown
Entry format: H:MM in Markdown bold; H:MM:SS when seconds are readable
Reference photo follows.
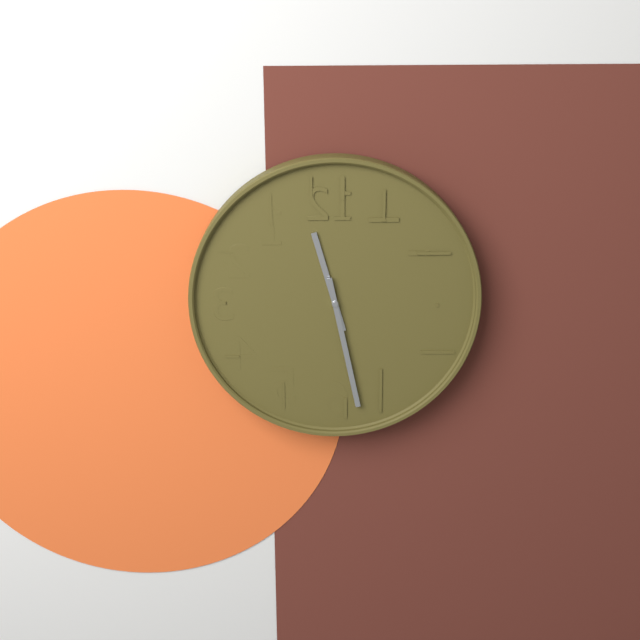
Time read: **11:28**
